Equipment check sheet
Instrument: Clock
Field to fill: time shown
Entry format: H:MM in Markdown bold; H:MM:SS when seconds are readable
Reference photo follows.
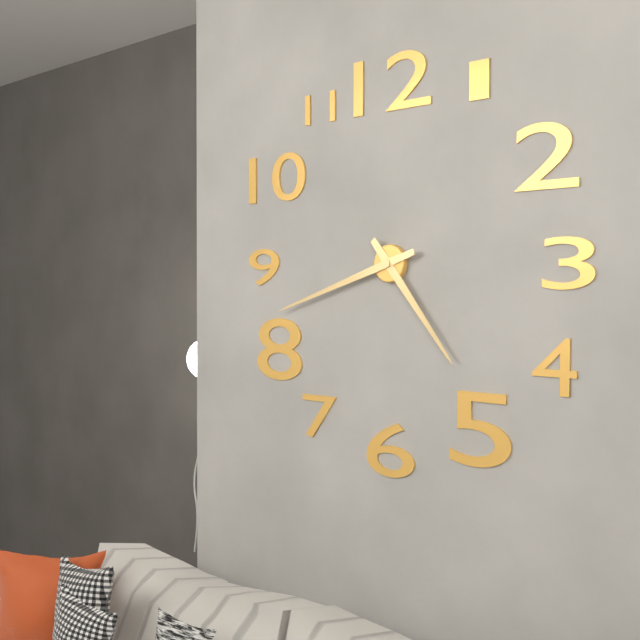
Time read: **4:42**
